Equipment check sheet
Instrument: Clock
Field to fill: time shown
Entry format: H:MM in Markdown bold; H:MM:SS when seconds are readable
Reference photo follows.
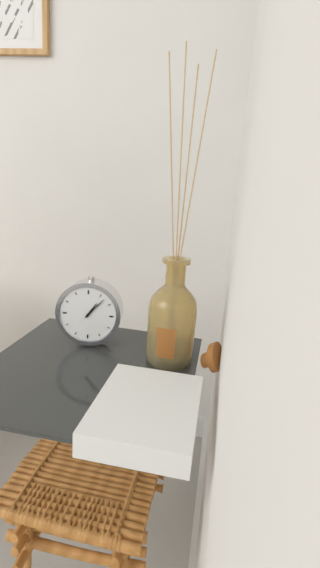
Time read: **1:07**
